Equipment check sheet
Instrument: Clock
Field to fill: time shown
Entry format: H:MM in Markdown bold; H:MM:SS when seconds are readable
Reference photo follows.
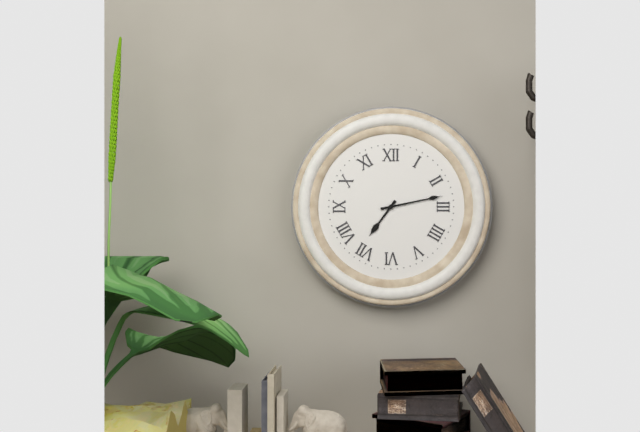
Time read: **7:13**
